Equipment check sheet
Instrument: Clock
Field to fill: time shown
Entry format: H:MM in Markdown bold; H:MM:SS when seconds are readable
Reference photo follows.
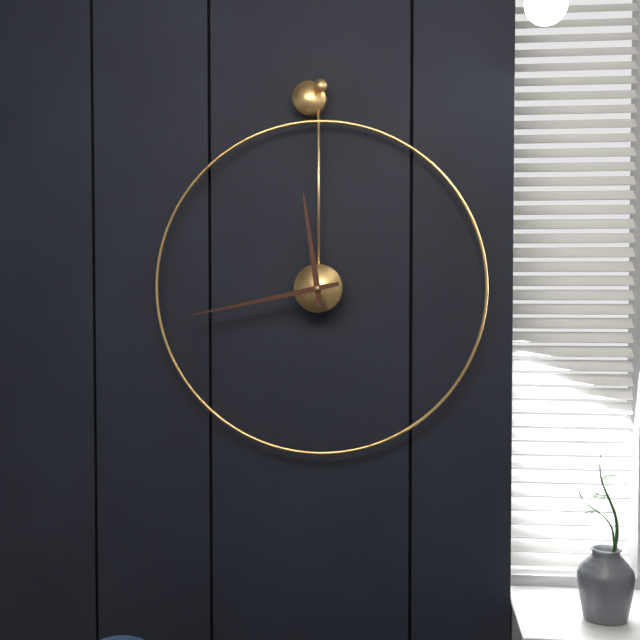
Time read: **11:43**
